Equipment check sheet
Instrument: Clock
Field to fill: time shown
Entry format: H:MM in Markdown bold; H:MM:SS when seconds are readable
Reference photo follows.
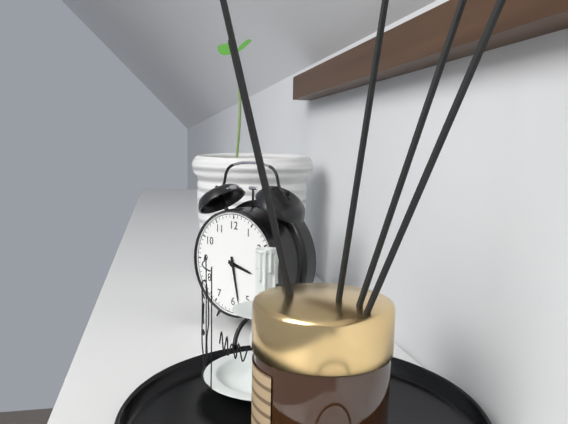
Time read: **3:28**
